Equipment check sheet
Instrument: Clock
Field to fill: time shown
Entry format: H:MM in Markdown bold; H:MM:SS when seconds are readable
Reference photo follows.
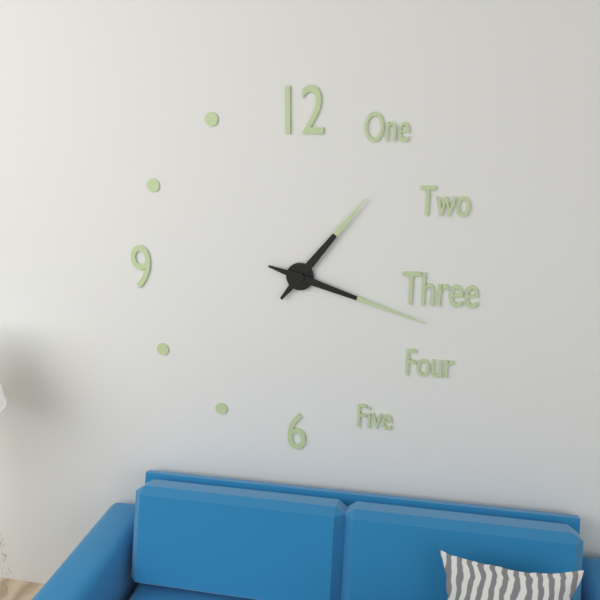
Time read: **1:18**
